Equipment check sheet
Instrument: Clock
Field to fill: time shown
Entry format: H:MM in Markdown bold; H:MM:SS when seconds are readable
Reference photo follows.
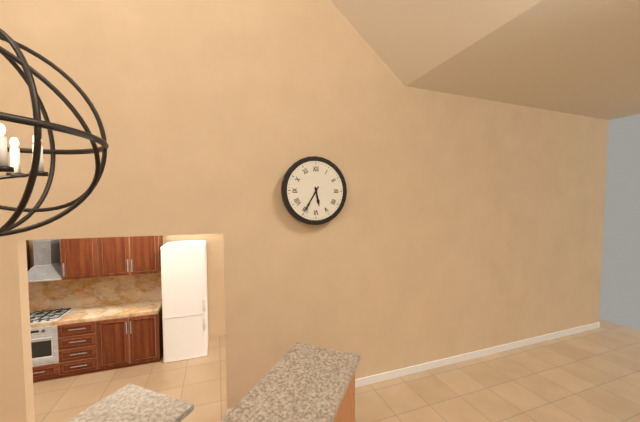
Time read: **5:35**
